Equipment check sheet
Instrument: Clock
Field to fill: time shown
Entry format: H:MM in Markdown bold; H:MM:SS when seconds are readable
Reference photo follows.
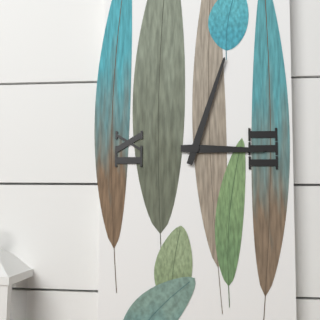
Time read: **3:03**
